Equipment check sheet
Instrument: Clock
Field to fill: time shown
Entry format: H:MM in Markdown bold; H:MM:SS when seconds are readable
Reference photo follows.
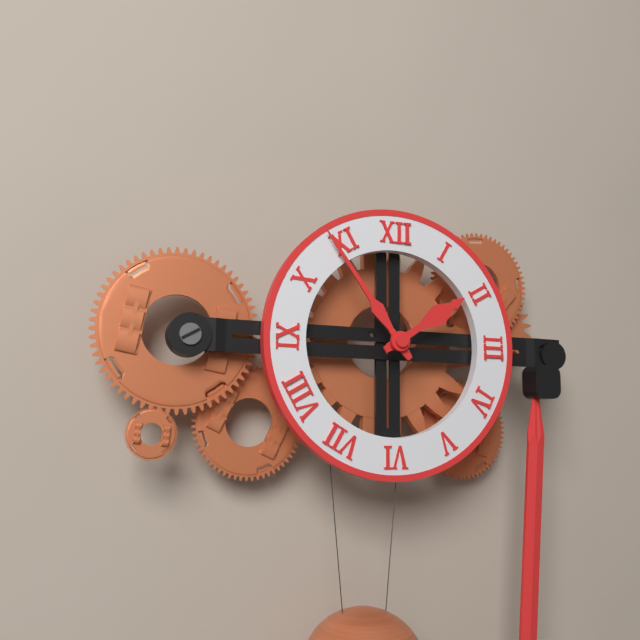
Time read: **1:54**
